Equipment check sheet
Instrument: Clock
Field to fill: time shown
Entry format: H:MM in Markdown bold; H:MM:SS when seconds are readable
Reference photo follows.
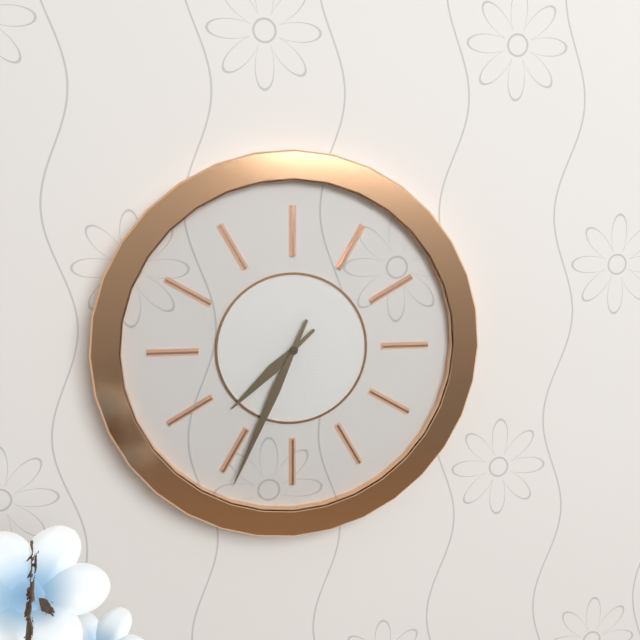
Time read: **7:34**
